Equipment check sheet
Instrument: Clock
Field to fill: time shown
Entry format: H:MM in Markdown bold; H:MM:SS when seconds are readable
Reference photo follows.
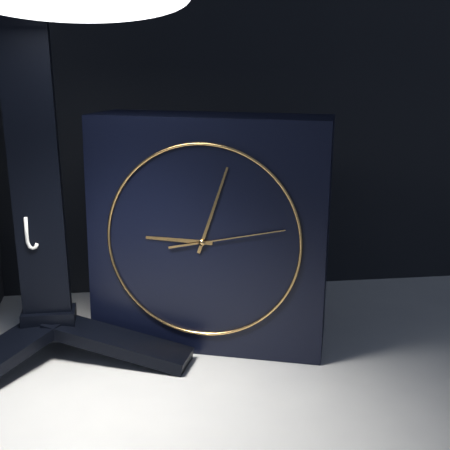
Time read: **9:03:13**
